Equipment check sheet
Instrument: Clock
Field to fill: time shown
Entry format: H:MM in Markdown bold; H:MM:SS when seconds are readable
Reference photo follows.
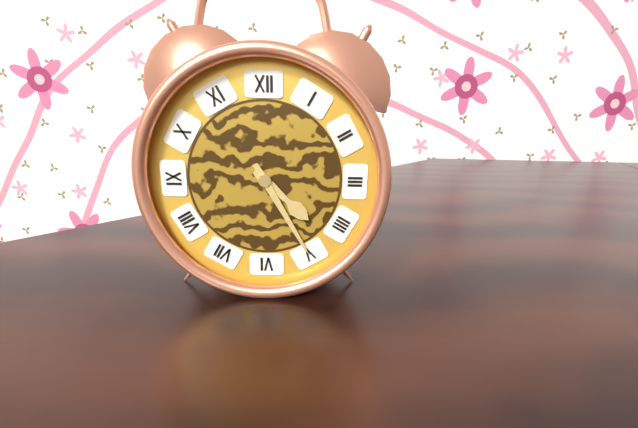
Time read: **4:25**
